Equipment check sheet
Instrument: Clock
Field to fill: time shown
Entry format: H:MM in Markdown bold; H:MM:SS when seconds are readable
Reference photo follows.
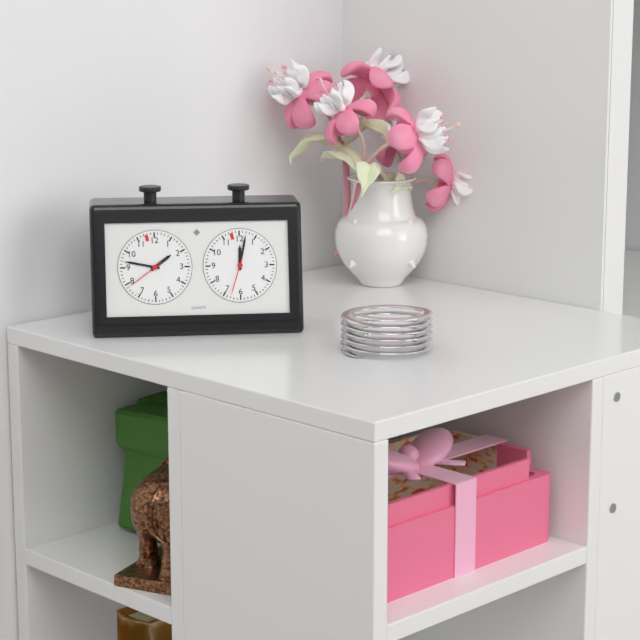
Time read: **1:47**
